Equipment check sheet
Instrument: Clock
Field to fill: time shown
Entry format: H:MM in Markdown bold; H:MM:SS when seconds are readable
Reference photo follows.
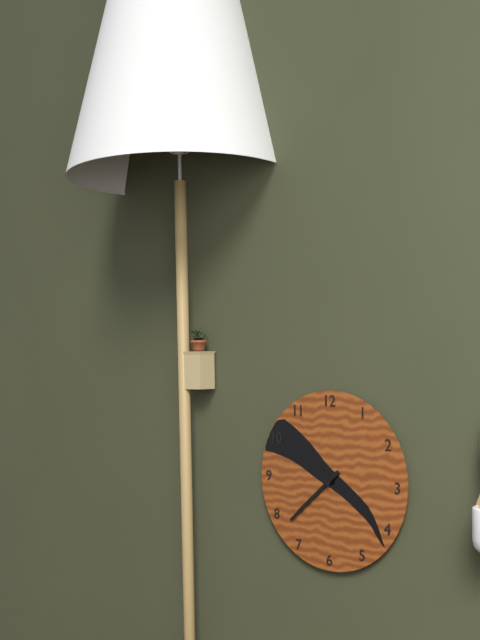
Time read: **7:38**
